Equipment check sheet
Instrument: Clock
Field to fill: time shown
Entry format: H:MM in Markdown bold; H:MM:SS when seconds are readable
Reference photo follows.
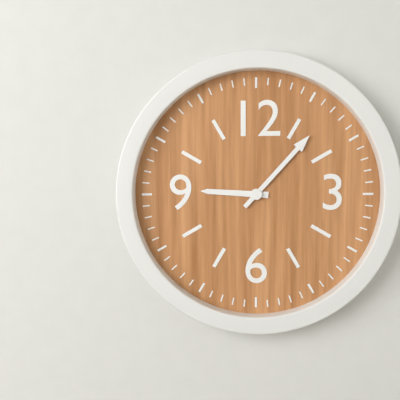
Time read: **9:07**
